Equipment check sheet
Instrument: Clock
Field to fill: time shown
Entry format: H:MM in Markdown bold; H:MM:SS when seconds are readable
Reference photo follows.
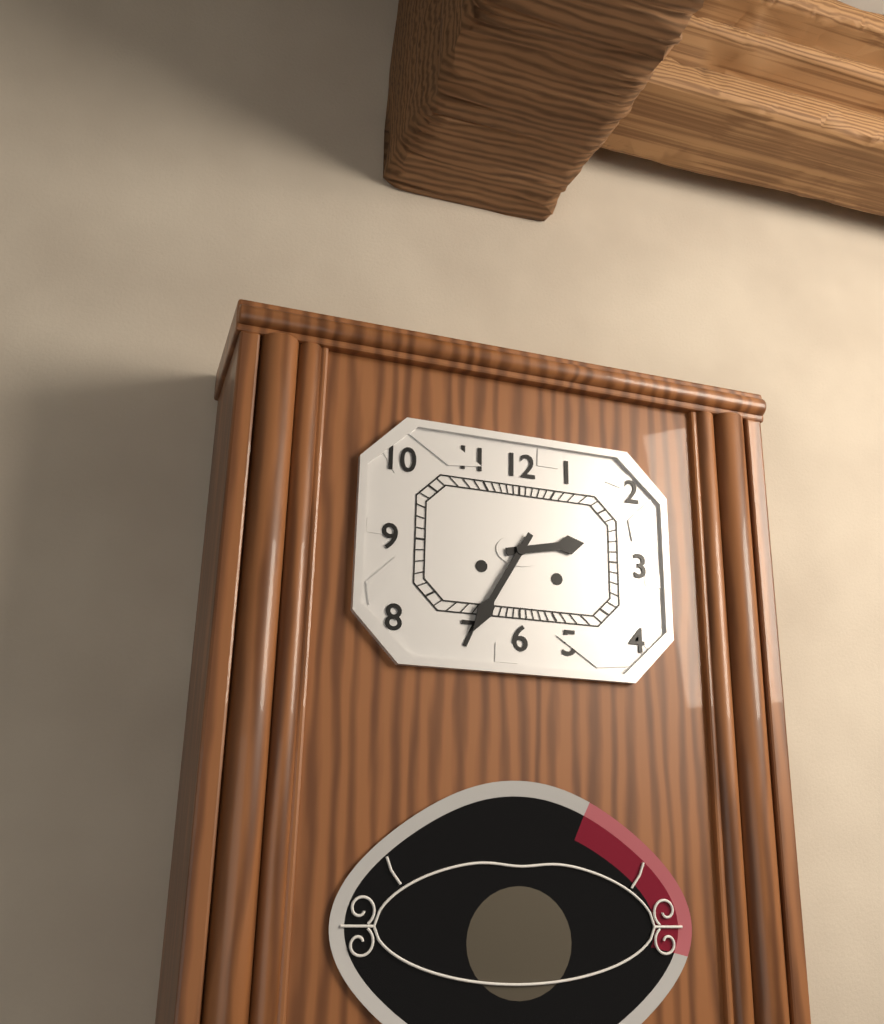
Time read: **2:35**
